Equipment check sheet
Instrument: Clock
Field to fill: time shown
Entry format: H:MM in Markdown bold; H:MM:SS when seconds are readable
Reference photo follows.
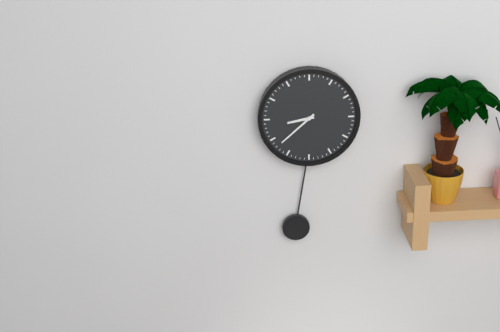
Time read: **8:38**
